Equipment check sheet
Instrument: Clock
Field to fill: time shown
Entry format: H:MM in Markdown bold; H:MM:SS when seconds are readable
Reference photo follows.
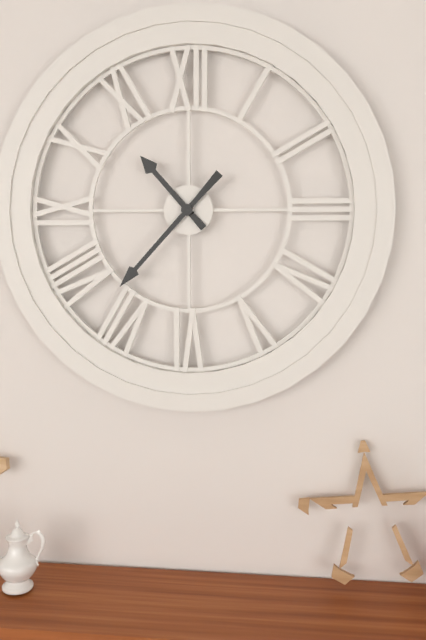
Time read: **10:37**
